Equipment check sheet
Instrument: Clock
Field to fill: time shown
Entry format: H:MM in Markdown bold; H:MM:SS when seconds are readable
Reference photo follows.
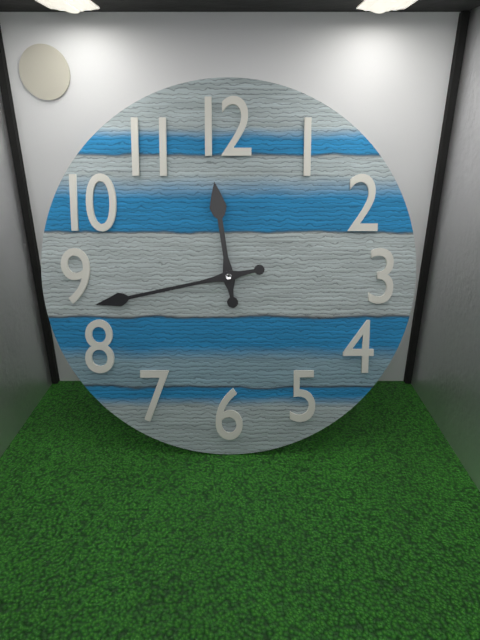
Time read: **11:43**
